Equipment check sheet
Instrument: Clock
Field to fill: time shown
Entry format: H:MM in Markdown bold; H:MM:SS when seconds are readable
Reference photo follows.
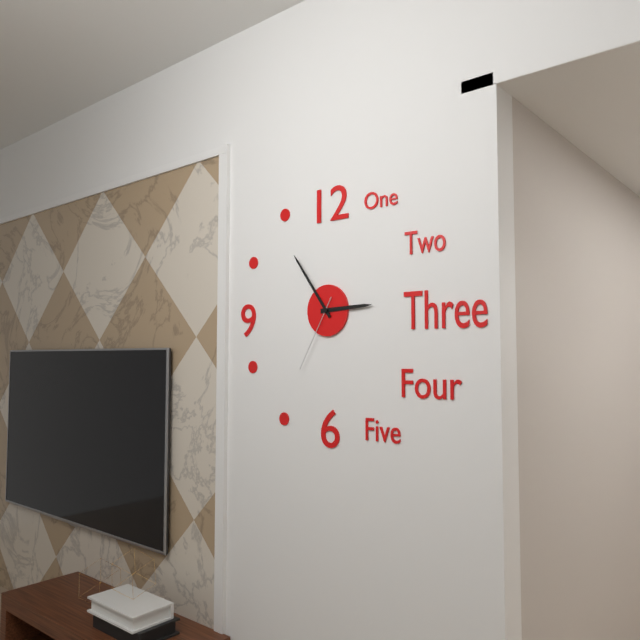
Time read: **2:54:35**
